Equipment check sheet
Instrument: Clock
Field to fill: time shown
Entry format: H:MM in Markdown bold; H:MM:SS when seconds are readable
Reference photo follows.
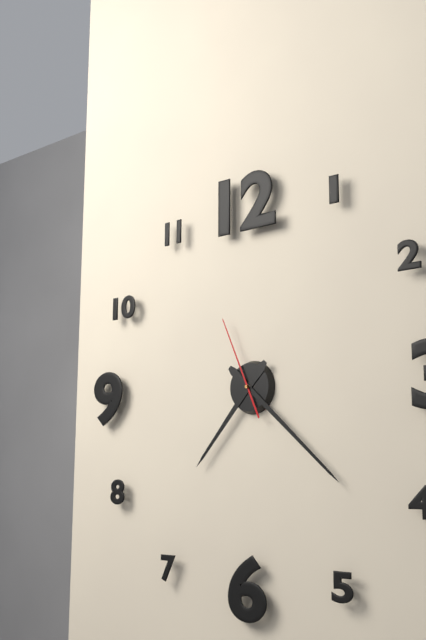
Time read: **7:22:56**
